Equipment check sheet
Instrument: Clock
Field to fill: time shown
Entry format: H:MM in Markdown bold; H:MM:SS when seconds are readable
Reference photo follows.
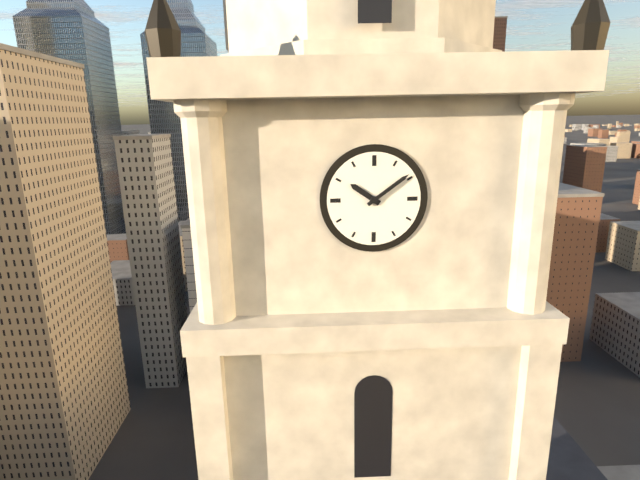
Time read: **10:09**
